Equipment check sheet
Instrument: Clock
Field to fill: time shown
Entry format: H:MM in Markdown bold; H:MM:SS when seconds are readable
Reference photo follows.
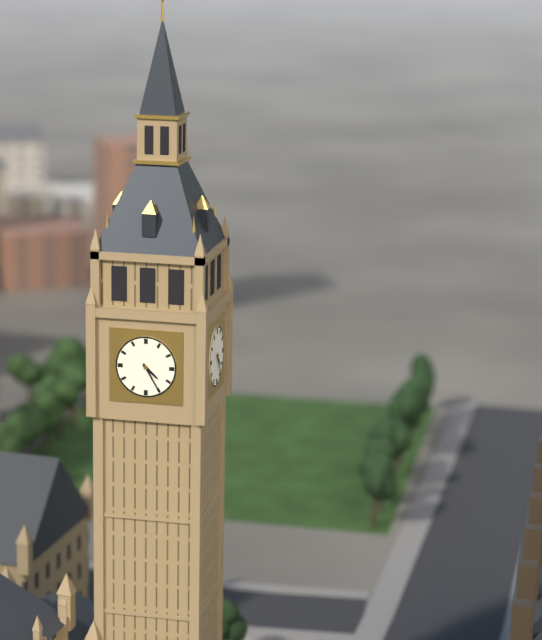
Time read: **4:25**
